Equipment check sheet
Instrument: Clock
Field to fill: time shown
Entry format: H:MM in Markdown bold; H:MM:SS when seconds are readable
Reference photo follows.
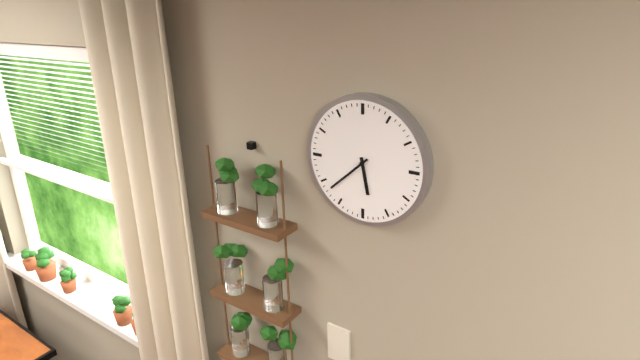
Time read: **5:38**
